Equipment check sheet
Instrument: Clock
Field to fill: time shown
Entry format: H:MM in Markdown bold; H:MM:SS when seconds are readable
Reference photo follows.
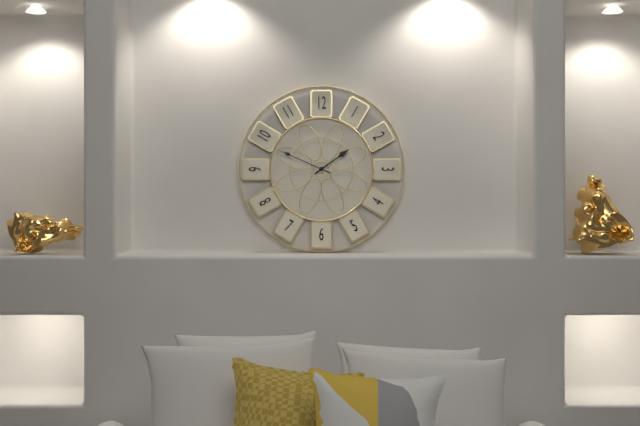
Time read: **1:49**
